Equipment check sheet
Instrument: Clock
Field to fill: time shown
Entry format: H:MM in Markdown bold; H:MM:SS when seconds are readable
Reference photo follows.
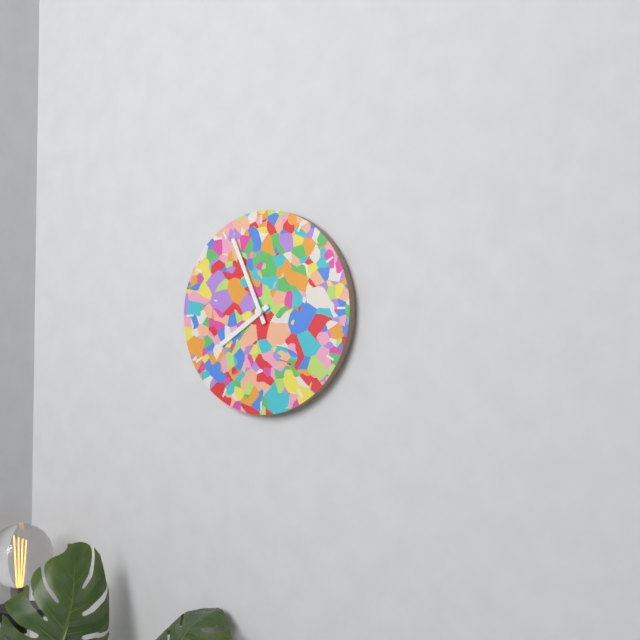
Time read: **7:56**
